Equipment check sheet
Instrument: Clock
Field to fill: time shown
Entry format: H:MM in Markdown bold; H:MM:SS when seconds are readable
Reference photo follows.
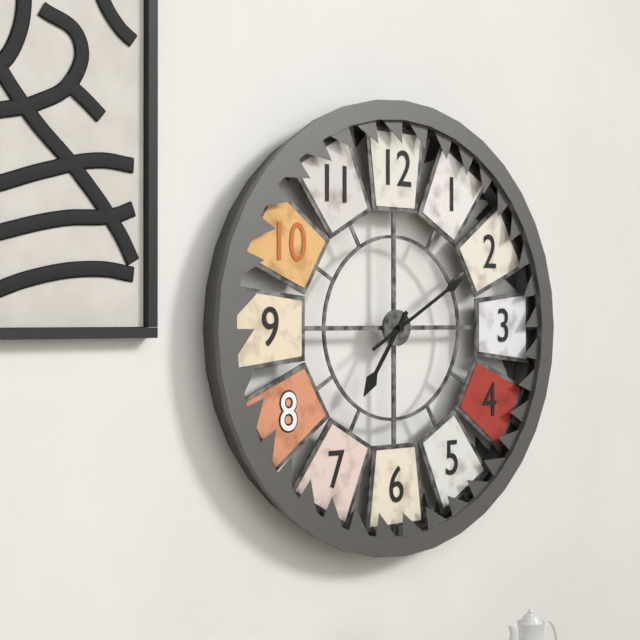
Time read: **7:10**
